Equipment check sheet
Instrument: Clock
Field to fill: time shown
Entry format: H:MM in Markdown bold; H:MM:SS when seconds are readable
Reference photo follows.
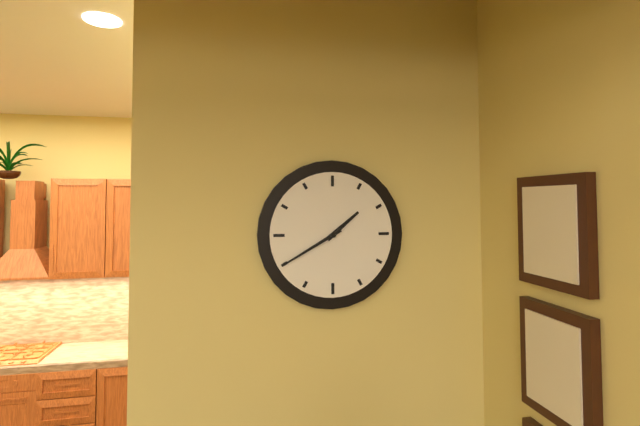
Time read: **1:40**
